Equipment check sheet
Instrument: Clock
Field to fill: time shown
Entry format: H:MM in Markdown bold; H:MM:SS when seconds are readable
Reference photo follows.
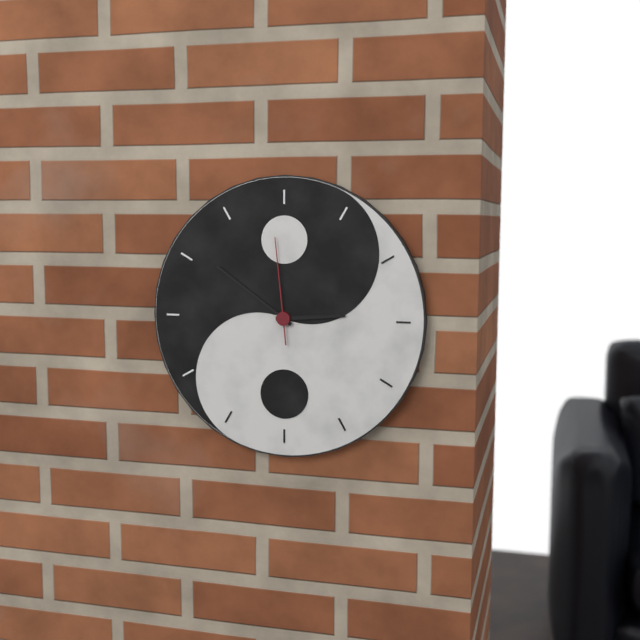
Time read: **2:51:59**
